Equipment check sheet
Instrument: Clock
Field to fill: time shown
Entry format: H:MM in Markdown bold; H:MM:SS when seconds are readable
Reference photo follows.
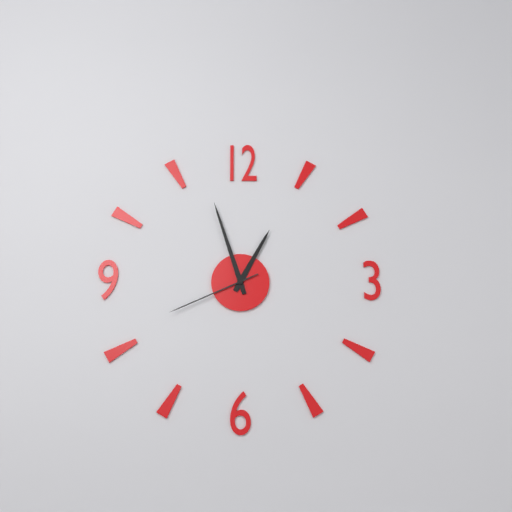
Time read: **12:57:41**
